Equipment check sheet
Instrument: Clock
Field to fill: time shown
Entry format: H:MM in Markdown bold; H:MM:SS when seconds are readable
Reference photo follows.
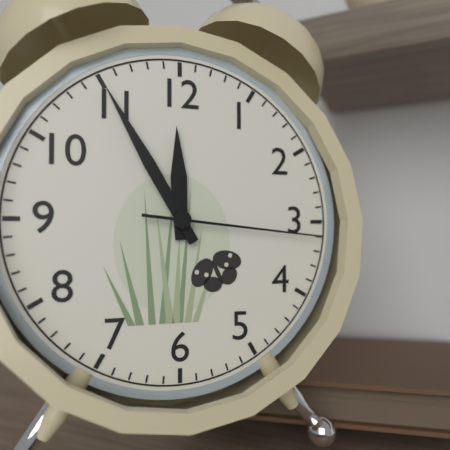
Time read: **11:55:16**
